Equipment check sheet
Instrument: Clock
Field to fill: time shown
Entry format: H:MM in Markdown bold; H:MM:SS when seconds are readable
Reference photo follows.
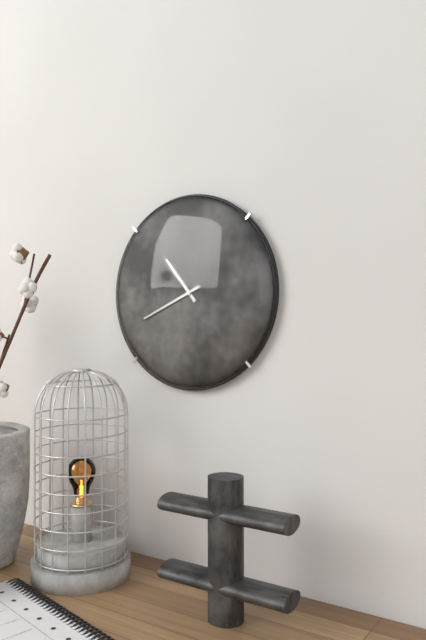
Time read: **10:41**
